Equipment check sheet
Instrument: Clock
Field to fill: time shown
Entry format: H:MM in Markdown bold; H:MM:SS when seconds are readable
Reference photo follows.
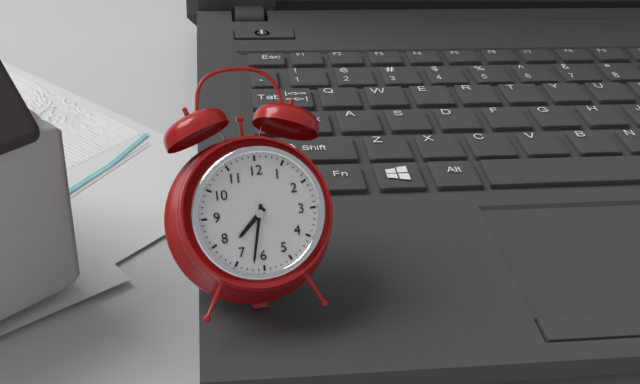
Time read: **7:32**
